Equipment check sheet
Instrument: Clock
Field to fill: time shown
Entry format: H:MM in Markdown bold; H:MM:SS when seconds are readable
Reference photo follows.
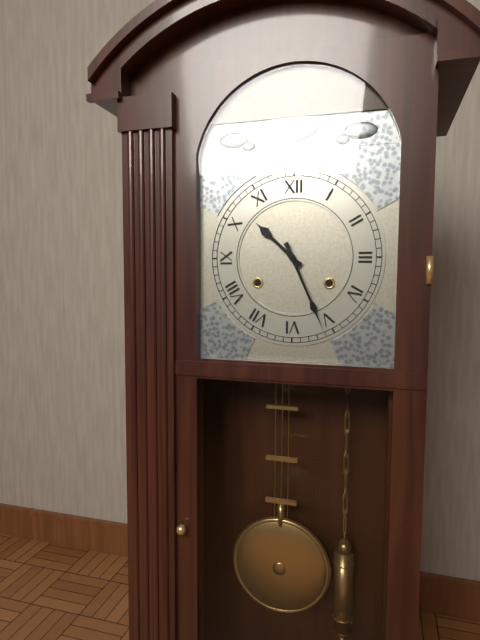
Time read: **10:26**
